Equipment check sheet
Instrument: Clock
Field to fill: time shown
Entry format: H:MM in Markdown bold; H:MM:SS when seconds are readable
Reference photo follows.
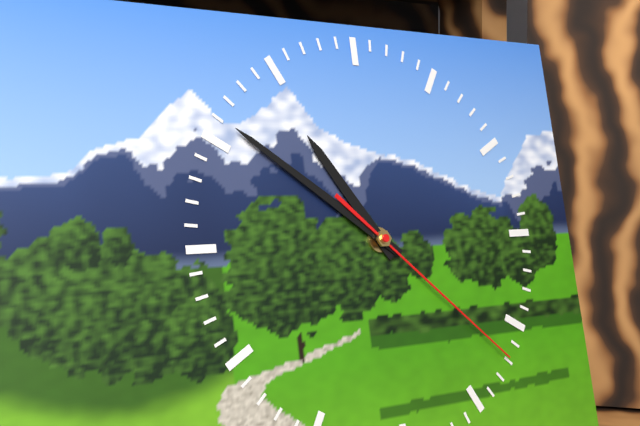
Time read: **10:51:22**
